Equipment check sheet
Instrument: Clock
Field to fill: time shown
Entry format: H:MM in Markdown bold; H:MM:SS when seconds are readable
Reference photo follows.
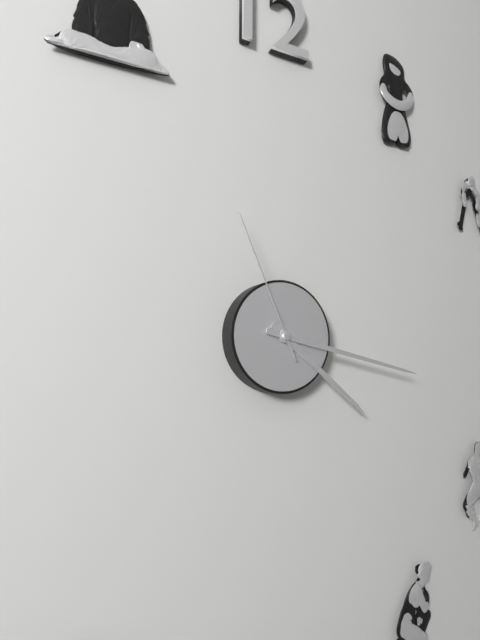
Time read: **4:17:56**
